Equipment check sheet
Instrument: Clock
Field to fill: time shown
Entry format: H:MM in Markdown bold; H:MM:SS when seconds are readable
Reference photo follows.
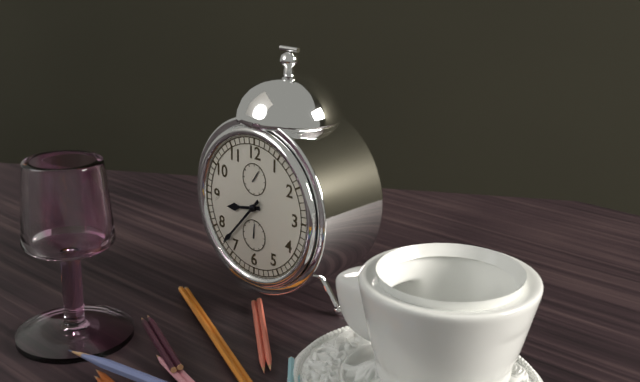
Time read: **8:37**
